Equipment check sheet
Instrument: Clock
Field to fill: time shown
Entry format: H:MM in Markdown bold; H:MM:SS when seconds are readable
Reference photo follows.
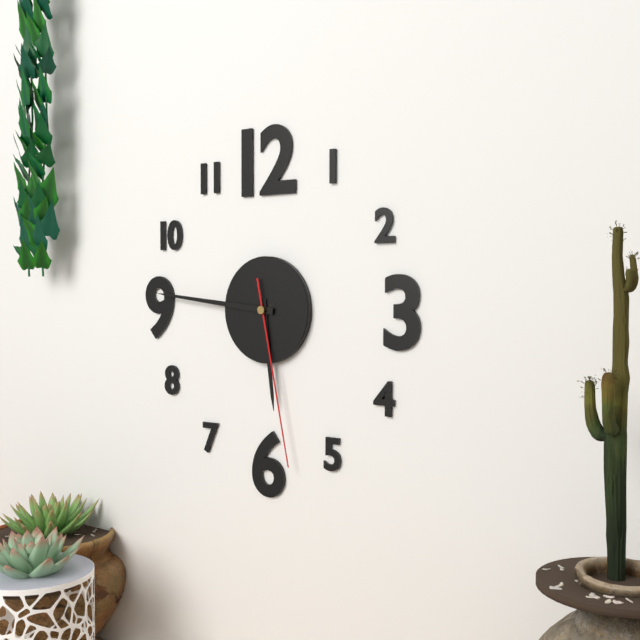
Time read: **5:46:28**
